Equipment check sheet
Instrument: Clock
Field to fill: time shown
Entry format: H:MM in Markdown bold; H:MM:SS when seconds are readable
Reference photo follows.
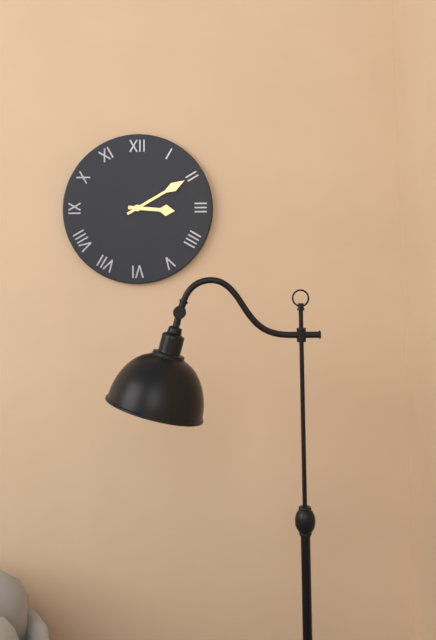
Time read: **3:10**
